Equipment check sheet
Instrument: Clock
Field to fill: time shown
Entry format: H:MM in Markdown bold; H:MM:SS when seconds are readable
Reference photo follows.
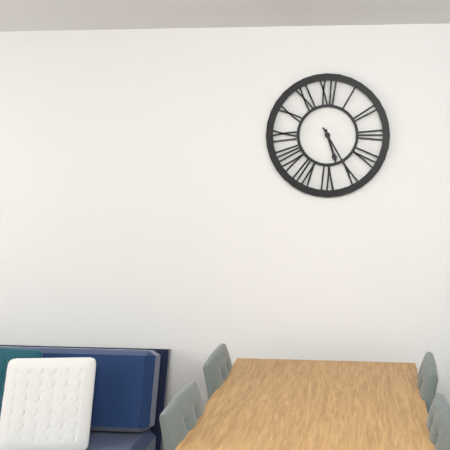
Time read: **5:25**
